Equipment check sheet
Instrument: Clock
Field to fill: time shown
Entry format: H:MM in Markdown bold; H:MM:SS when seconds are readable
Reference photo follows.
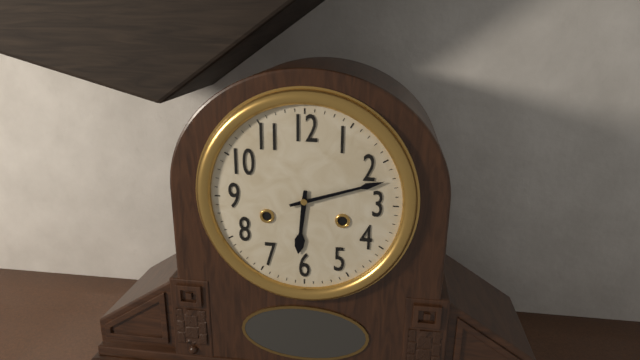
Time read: **6:12**
